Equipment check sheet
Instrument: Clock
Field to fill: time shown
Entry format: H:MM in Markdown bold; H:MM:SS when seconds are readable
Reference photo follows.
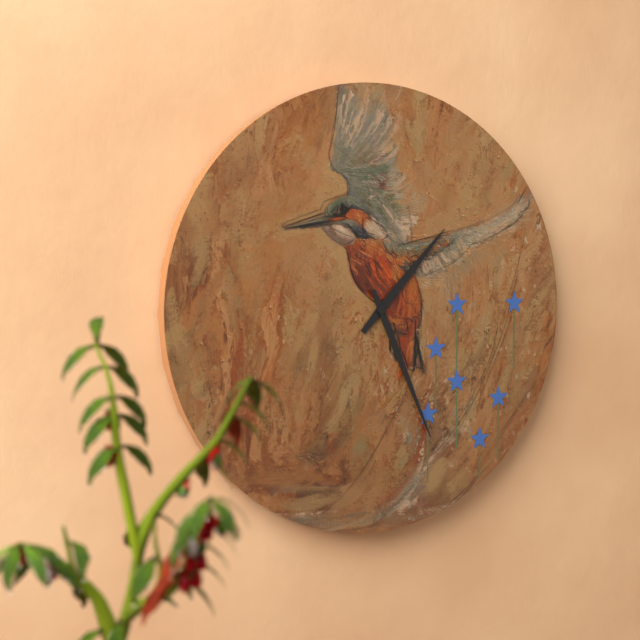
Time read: **1:26**
